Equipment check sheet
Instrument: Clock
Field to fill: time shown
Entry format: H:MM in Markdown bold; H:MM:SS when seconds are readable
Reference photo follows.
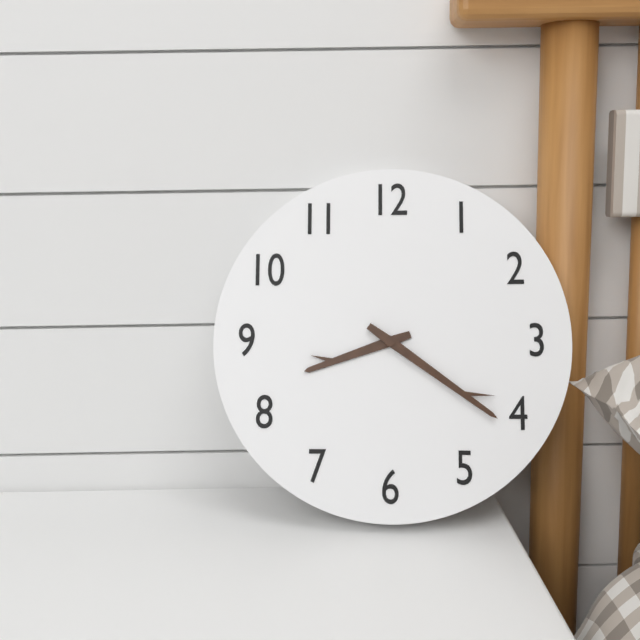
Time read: **8:21**
